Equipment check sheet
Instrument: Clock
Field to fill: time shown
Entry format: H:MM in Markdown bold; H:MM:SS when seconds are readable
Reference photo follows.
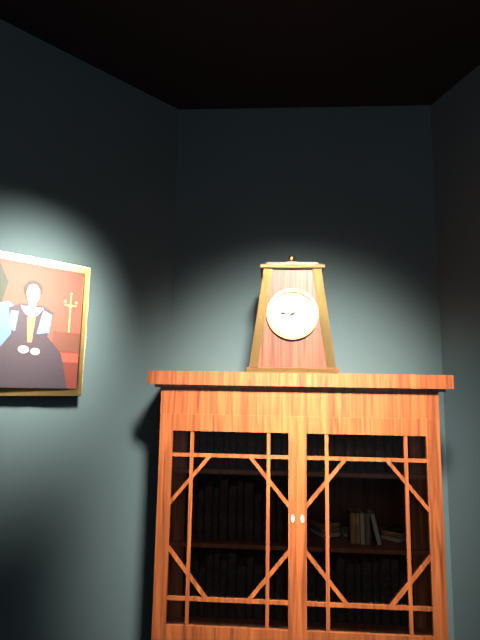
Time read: **9:08**
